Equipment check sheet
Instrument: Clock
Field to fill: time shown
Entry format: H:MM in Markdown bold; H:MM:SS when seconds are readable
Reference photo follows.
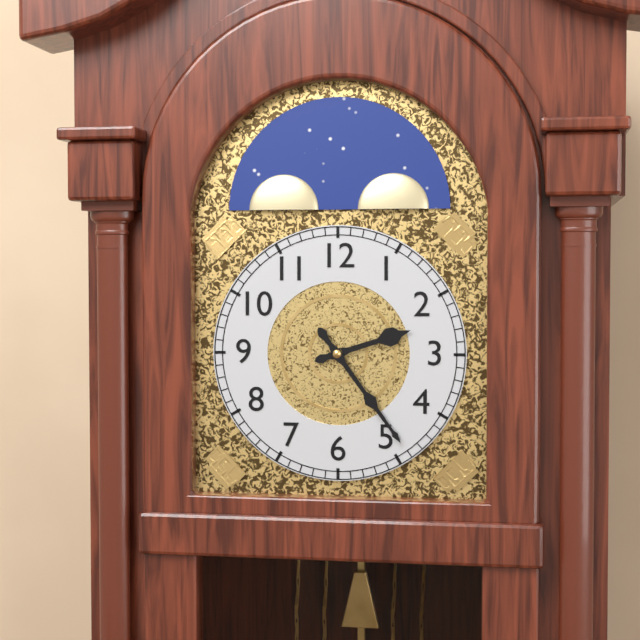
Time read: **2:24**
